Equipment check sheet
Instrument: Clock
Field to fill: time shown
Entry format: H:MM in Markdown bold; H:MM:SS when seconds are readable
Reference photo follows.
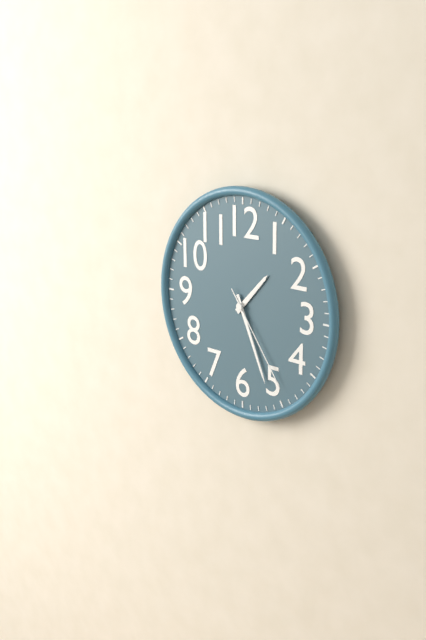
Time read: **1:26:24**
